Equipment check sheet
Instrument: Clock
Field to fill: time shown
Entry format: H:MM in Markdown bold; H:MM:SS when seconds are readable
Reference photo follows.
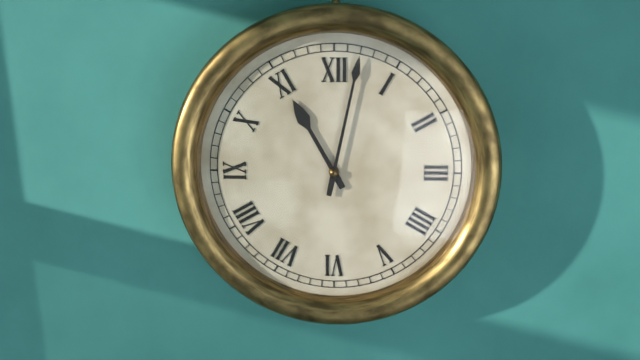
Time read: **11:02**
